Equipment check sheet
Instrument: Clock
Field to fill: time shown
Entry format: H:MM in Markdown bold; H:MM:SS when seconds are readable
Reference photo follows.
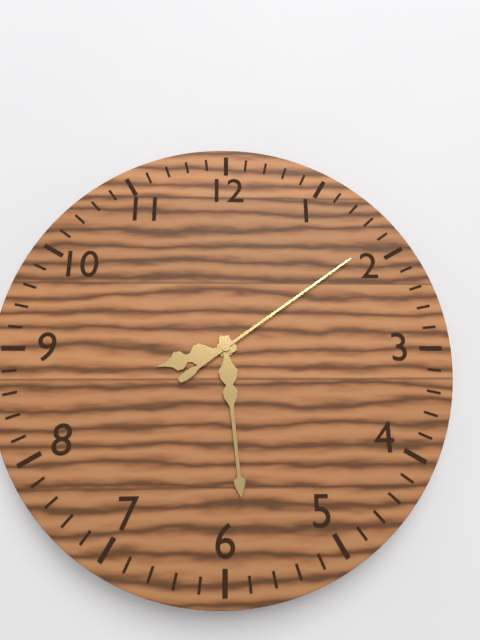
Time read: **8:29:09**
